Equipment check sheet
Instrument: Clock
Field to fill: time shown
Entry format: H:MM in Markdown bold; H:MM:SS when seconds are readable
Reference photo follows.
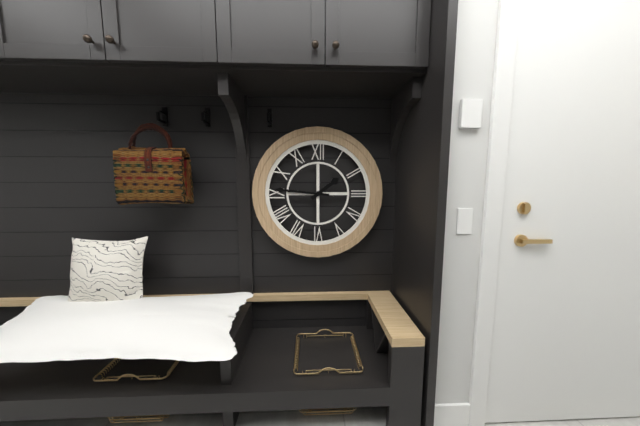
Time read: **1:46**
